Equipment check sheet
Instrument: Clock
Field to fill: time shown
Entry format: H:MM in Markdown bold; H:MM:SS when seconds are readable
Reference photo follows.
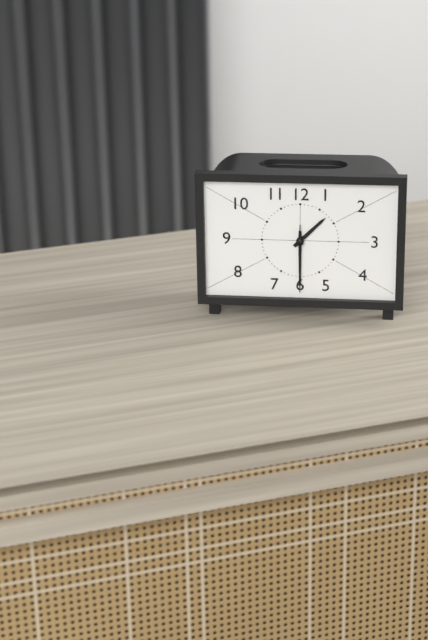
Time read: **1:30:30**
